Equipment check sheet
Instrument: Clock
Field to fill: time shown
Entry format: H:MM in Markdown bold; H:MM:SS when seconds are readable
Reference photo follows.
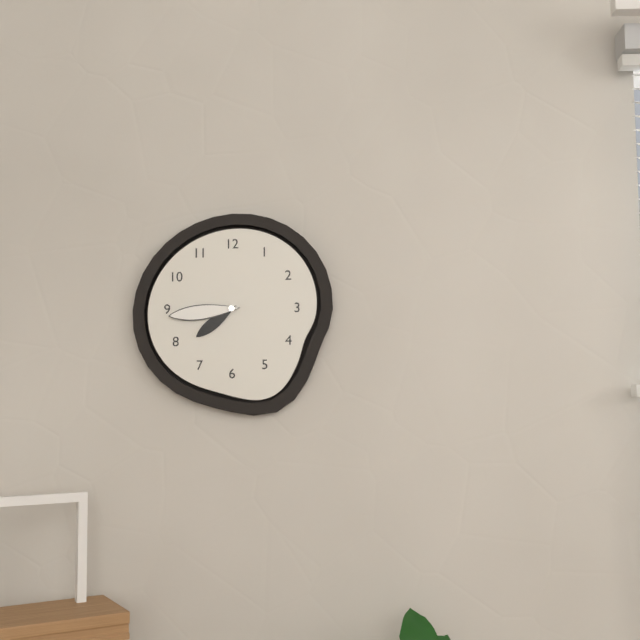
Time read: **7:44**
